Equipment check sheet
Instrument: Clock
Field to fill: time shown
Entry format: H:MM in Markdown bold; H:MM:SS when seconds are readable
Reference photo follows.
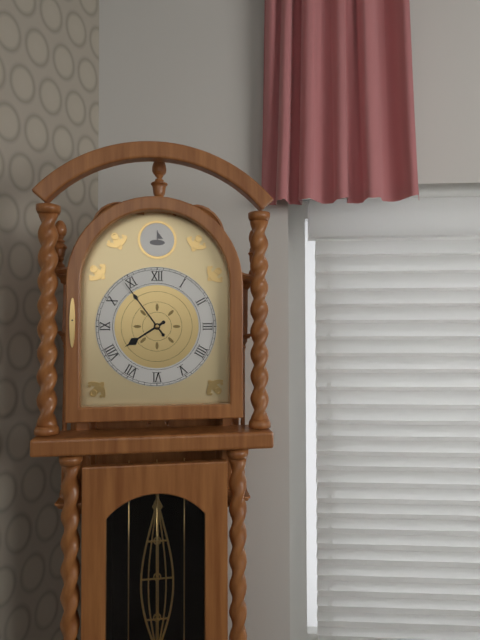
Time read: **7:54**
